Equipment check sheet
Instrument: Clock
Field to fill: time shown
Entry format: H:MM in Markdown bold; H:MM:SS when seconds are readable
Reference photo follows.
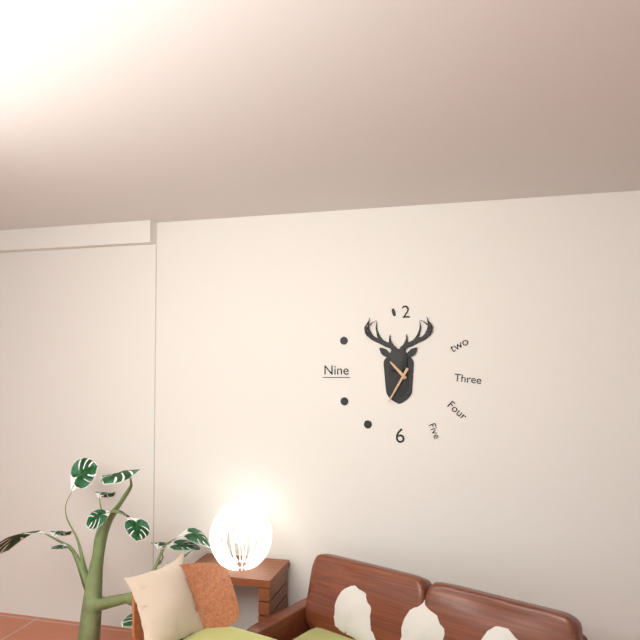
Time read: **10:35**
